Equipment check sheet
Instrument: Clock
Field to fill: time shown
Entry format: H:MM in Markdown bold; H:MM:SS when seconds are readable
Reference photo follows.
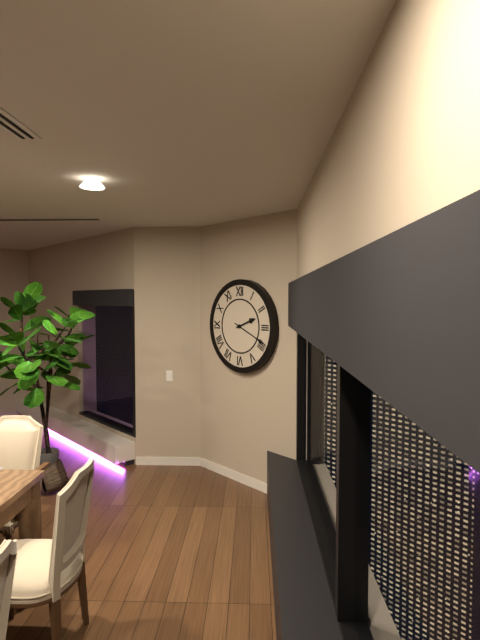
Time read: **2:19**
